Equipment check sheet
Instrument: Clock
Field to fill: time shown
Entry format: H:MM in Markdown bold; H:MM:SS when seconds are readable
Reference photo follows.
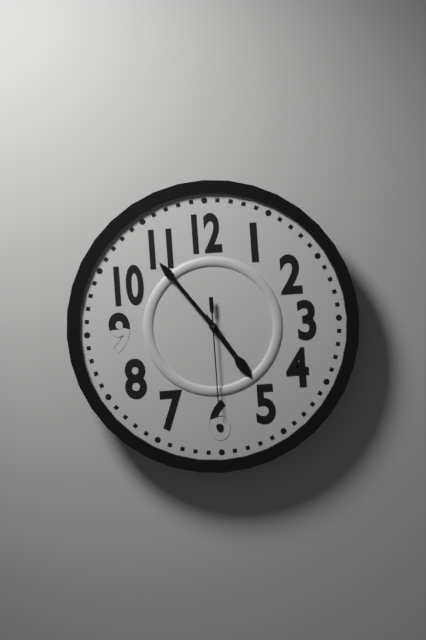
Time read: **4:54:30**
